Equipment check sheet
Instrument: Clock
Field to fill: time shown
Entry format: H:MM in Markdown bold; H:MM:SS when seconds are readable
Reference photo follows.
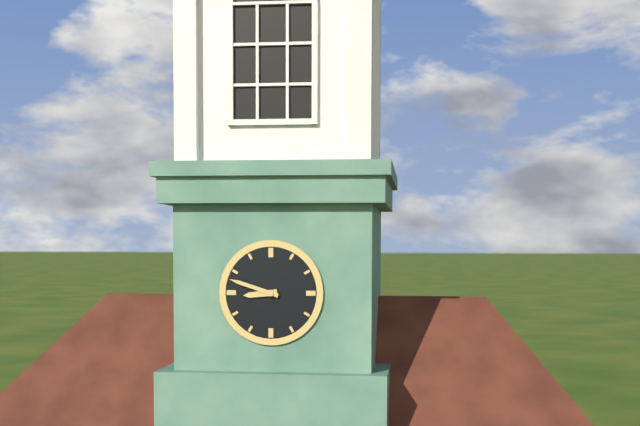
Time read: **8:48**
